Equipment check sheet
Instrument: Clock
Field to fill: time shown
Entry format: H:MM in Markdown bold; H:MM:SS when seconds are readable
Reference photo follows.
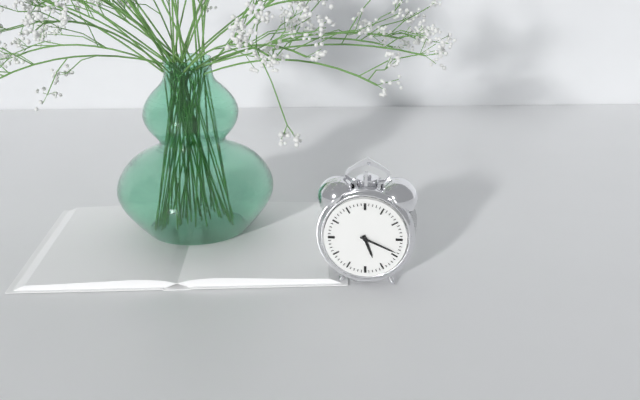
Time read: **5:19**
